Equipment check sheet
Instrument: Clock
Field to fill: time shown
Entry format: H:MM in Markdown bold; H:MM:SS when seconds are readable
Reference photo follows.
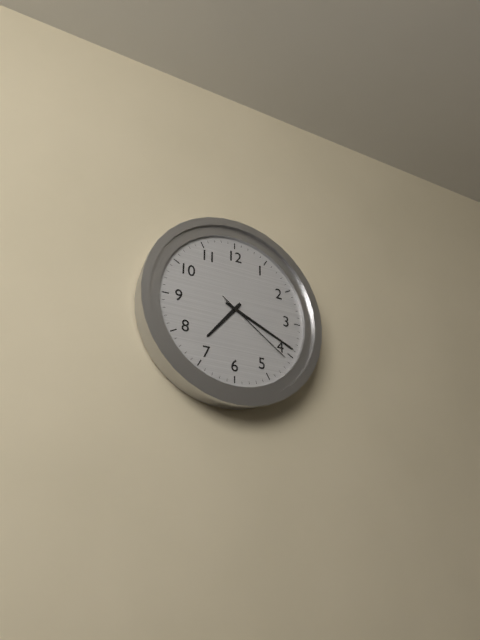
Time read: **7:19:21**
